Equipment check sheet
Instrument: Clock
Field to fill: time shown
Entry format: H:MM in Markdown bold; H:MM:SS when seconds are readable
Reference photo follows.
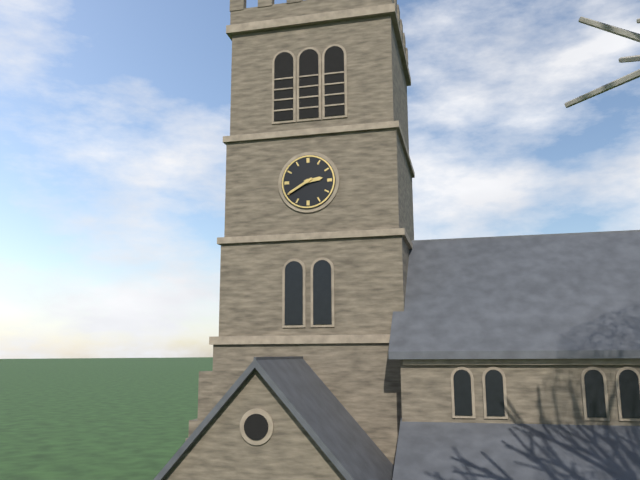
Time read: **2:40**
